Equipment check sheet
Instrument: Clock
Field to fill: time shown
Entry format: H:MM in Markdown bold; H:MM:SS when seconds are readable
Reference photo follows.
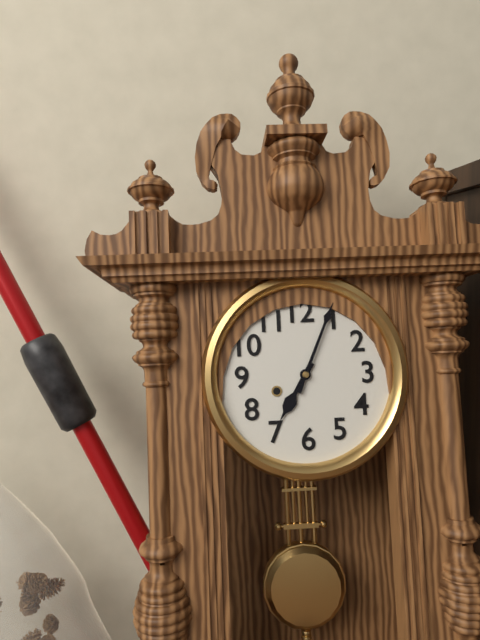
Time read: **7:04**
